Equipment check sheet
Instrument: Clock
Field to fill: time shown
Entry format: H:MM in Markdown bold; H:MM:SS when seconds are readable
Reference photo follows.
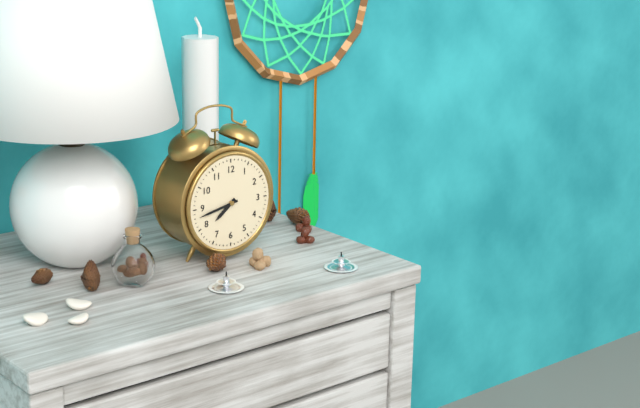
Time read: **7:43**
